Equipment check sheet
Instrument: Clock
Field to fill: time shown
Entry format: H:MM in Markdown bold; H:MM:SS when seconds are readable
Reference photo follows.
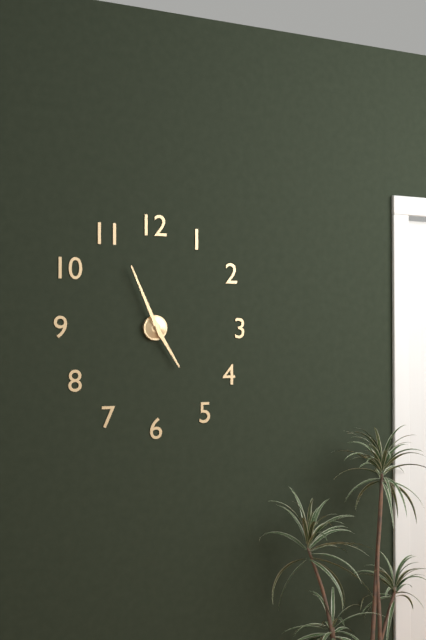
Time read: **4:56**
